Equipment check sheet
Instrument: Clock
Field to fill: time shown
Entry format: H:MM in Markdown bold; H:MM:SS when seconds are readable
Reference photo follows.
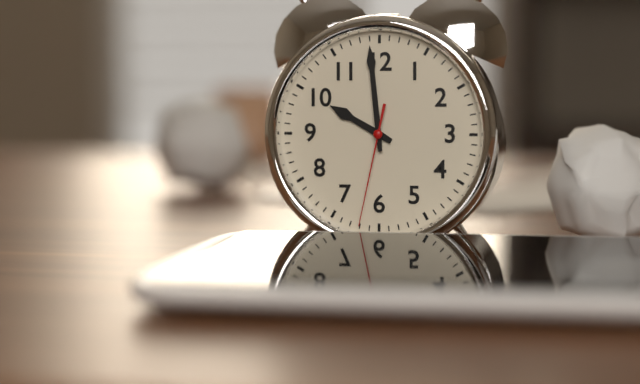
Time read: **9:59:32**
